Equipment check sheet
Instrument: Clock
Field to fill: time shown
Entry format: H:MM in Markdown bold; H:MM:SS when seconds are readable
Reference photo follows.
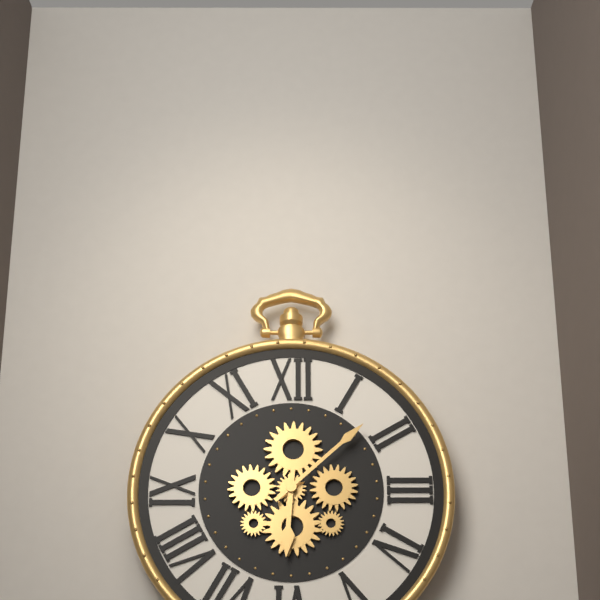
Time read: **6:08**
